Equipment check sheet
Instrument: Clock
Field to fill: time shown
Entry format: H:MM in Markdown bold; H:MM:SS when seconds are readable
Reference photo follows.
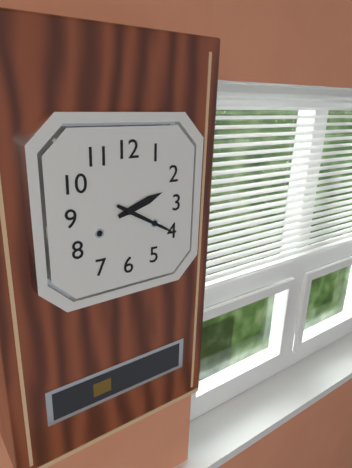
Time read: **2:20**
